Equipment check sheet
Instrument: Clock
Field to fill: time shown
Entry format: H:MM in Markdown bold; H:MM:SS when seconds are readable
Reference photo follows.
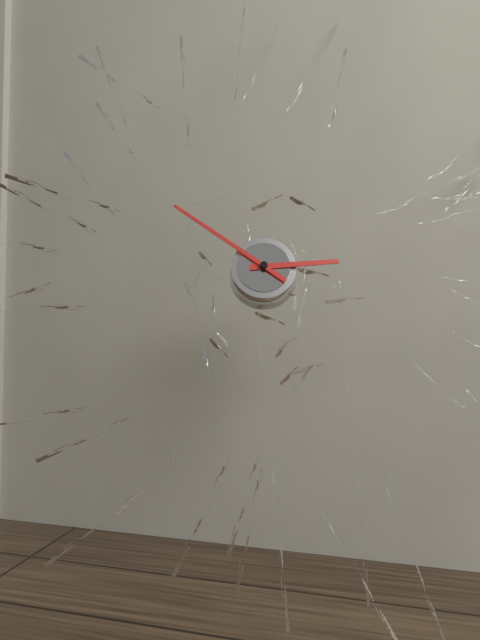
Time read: **2:51**
